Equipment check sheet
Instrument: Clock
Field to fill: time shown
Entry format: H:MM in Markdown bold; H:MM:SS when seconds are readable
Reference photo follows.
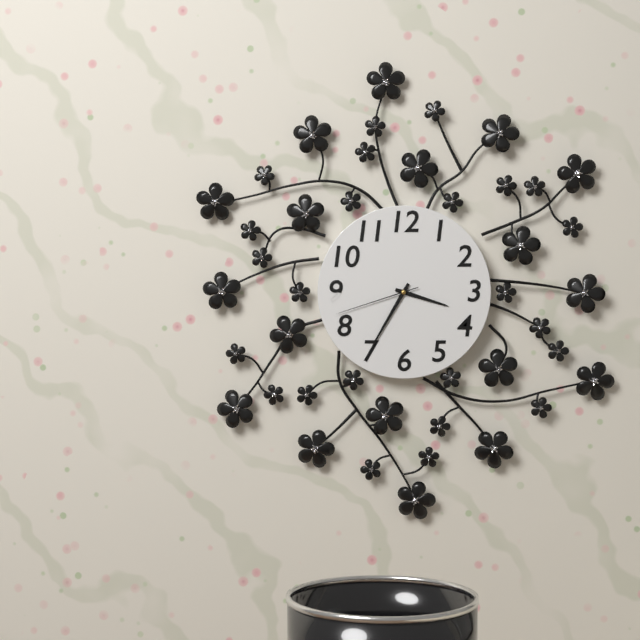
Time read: **3:35:42**
